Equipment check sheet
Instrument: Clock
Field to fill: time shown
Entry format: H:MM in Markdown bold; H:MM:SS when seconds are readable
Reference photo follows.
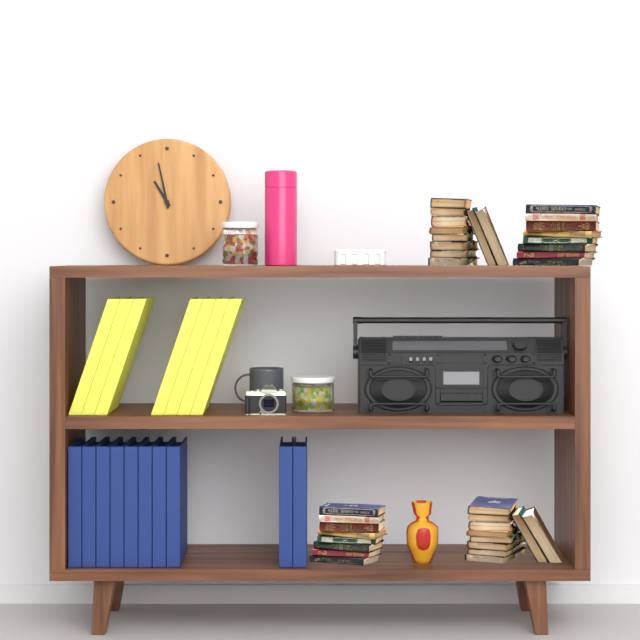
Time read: **10:58**
